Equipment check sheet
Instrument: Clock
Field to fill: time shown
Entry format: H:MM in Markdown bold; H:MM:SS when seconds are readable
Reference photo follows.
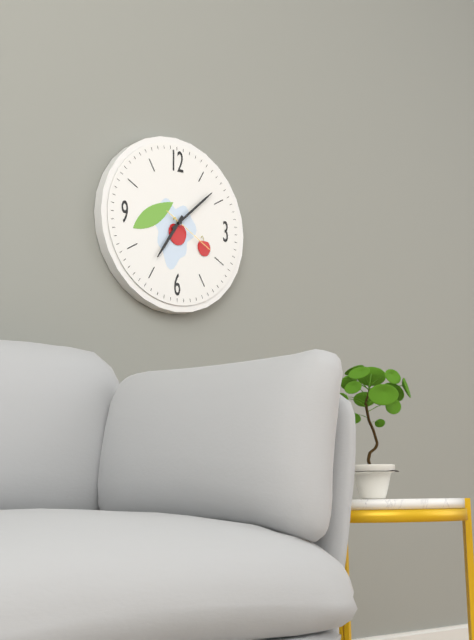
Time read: **7:08:20**
